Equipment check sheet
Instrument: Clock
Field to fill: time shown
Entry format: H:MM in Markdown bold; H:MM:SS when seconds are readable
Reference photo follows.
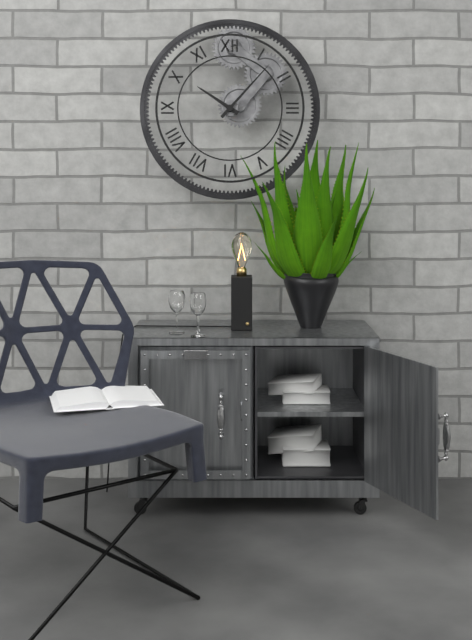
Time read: **10:07**
